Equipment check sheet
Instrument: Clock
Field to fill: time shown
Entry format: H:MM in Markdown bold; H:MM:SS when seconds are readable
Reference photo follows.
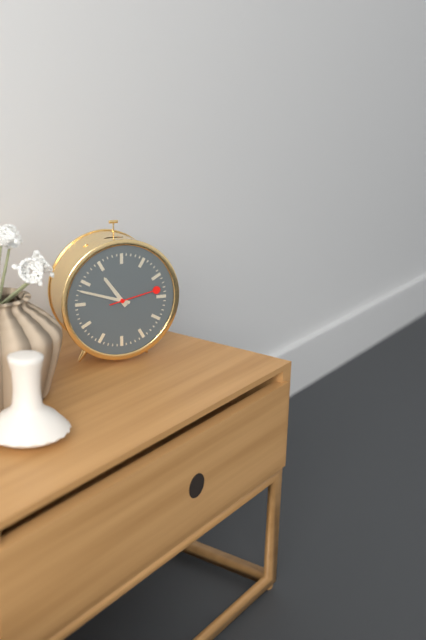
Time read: **10:48:13**
